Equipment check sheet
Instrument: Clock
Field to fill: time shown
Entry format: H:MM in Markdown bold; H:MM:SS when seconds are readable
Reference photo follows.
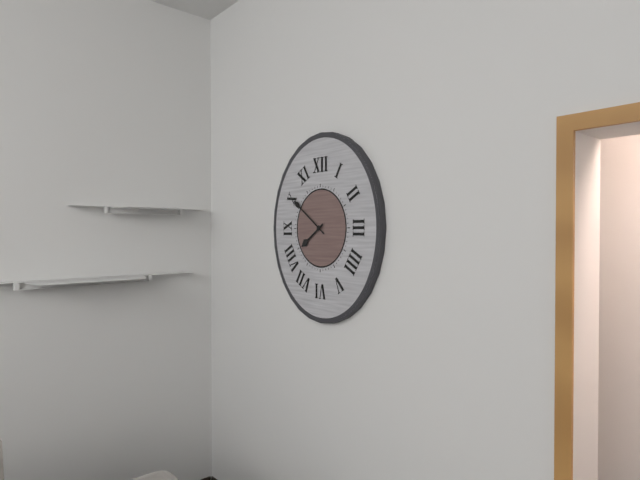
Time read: **7:51**
